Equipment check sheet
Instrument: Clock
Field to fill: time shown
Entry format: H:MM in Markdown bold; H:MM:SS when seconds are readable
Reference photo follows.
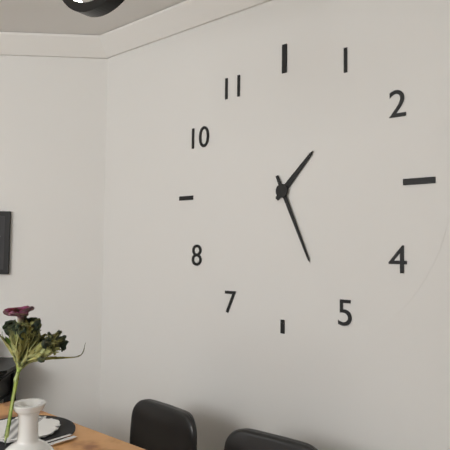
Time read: **1:26**
